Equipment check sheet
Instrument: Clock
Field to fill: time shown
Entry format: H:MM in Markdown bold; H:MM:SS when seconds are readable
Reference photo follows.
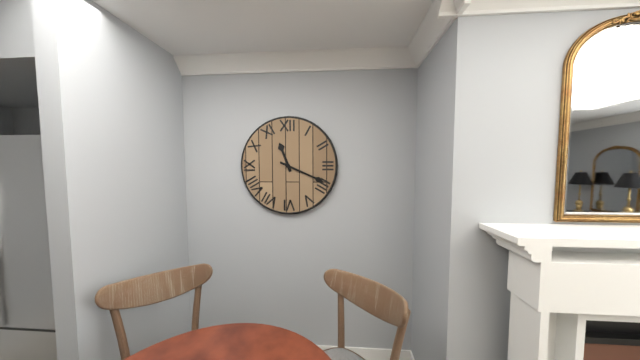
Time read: **11:19**
